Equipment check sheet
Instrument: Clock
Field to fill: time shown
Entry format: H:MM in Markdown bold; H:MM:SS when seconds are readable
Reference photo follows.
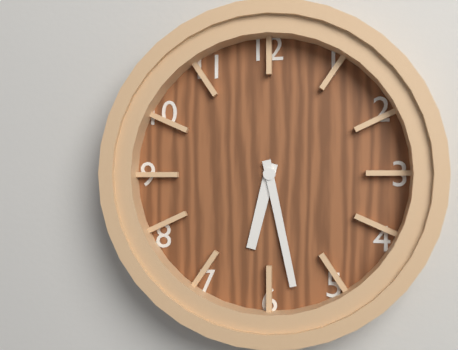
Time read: **6:28**
